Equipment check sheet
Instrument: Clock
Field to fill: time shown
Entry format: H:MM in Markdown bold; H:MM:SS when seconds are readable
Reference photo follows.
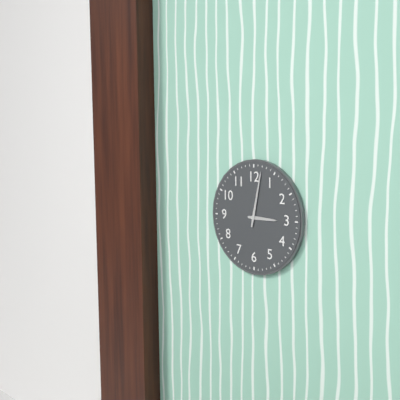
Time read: **3:02**
